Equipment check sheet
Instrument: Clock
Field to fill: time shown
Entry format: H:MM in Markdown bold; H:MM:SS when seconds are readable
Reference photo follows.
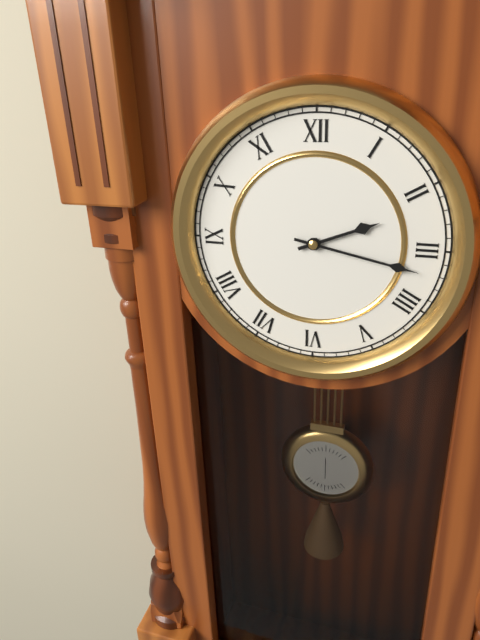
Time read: **2:17**
